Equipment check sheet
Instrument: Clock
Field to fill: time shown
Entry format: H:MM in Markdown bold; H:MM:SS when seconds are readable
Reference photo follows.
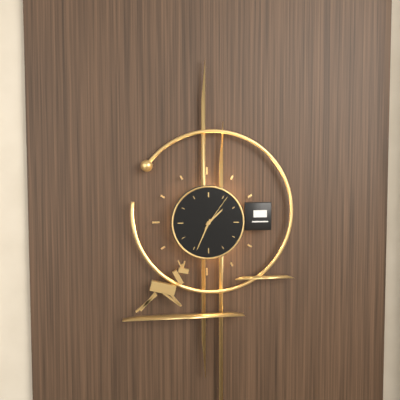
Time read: **1:34**
